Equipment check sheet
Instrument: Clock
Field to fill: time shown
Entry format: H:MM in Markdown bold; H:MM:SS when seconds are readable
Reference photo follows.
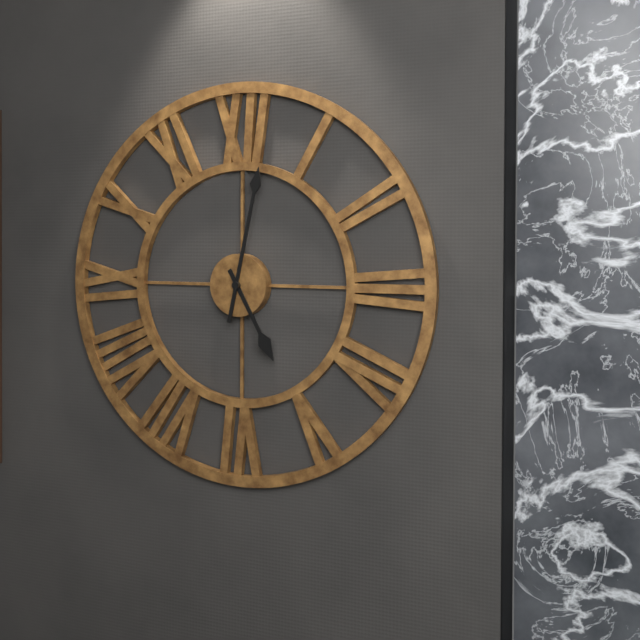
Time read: **5:02**
